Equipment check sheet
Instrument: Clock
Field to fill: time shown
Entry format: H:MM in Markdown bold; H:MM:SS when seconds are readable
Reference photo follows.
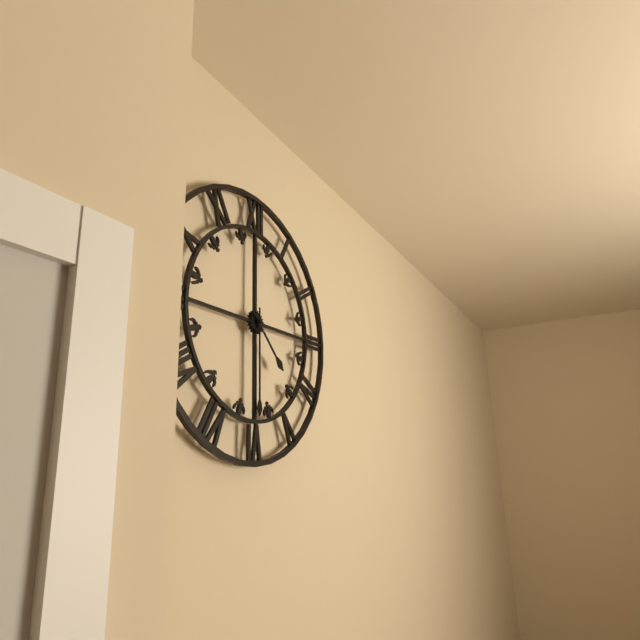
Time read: **4:30**
